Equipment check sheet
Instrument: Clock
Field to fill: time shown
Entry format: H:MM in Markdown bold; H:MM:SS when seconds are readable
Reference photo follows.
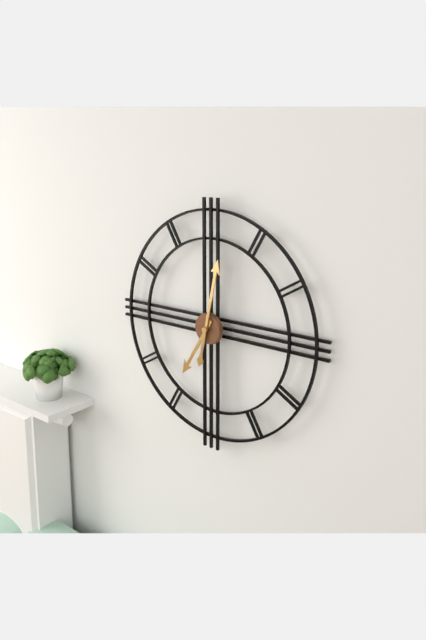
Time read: **7:02**
